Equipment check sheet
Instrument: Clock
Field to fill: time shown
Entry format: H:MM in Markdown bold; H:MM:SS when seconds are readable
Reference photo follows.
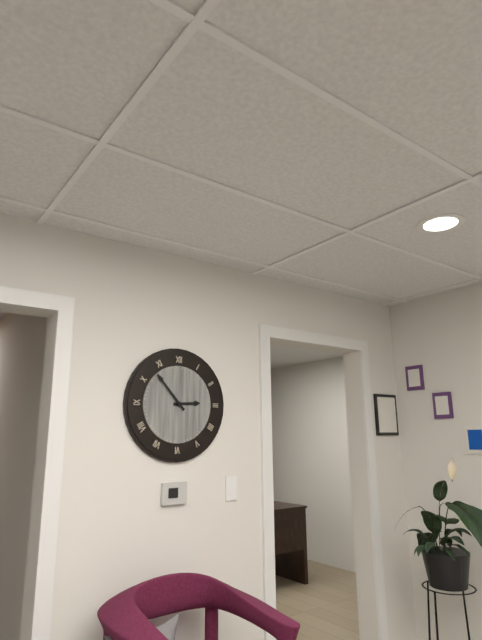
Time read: **2:53**
